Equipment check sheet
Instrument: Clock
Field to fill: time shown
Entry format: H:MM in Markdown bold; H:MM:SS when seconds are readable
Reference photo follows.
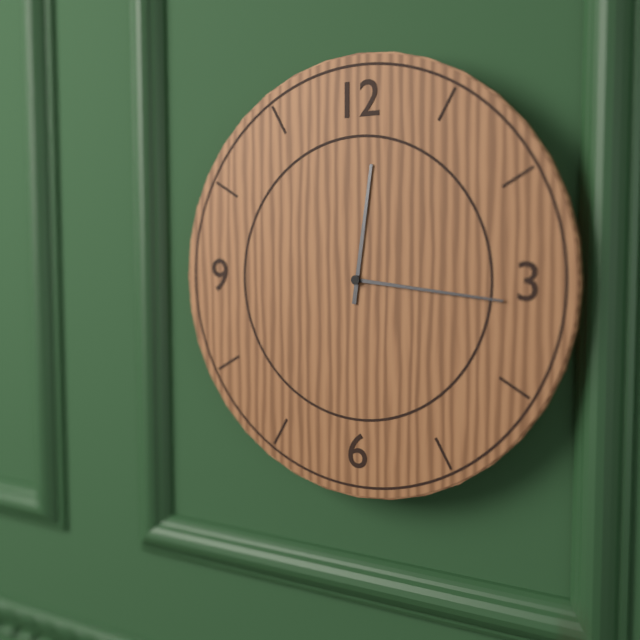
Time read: **12:16**
